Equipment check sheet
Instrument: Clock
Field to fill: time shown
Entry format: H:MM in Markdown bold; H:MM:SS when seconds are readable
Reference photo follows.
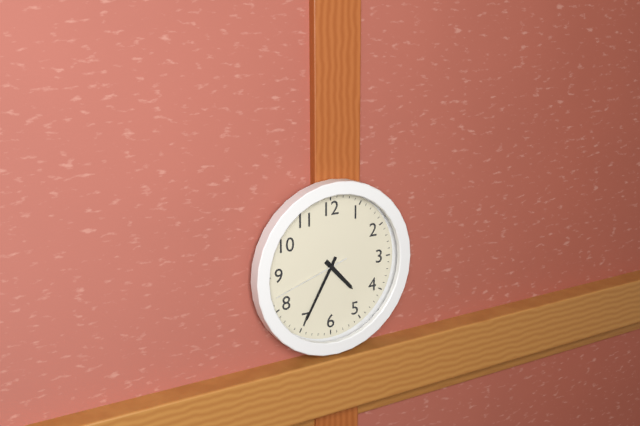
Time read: **4:35:42**
